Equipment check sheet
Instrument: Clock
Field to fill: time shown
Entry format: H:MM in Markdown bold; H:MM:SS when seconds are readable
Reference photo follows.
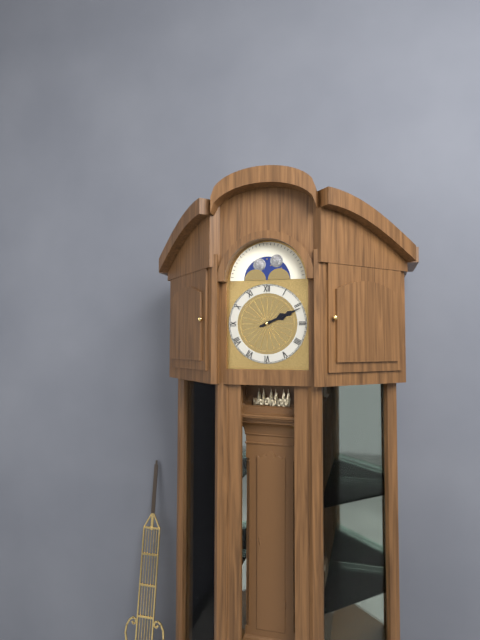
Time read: **2:11**
